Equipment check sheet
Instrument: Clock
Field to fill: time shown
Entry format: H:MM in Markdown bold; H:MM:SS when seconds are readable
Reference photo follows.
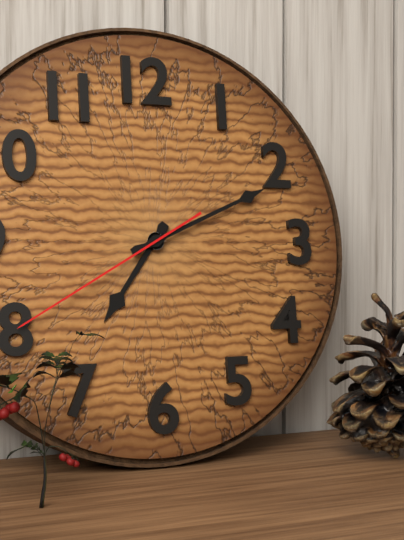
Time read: **7:11:40**
